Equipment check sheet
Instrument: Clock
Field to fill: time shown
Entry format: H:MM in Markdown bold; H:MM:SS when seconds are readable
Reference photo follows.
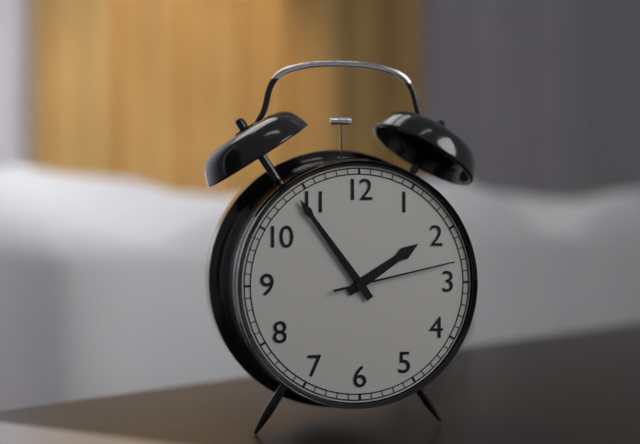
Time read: **1:54:13**
